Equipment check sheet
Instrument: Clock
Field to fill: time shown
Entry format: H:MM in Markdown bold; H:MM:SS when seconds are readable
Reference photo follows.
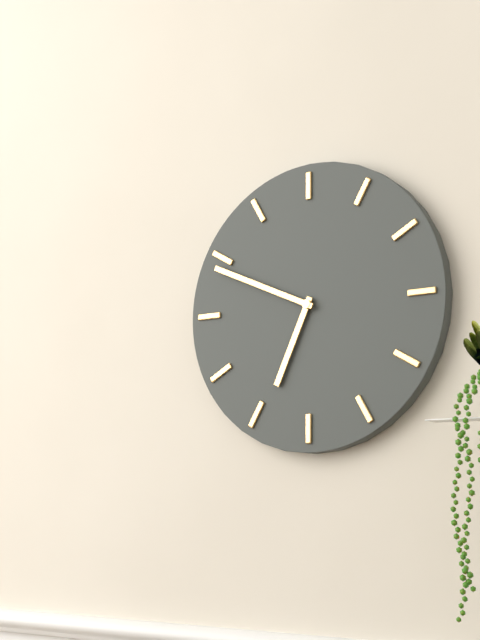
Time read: **6:49**
